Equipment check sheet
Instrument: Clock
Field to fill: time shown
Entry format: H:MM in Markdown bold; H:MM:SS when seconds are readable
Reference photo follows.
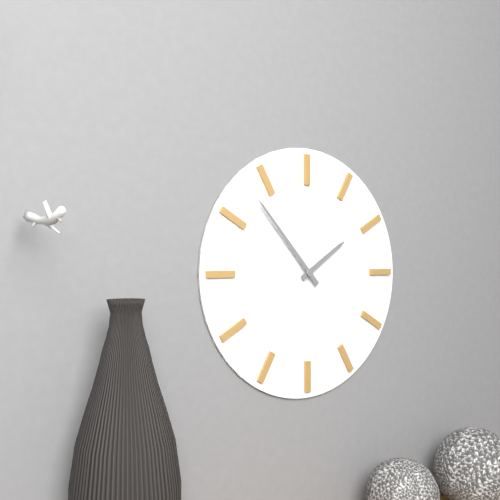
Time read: **1:53**
